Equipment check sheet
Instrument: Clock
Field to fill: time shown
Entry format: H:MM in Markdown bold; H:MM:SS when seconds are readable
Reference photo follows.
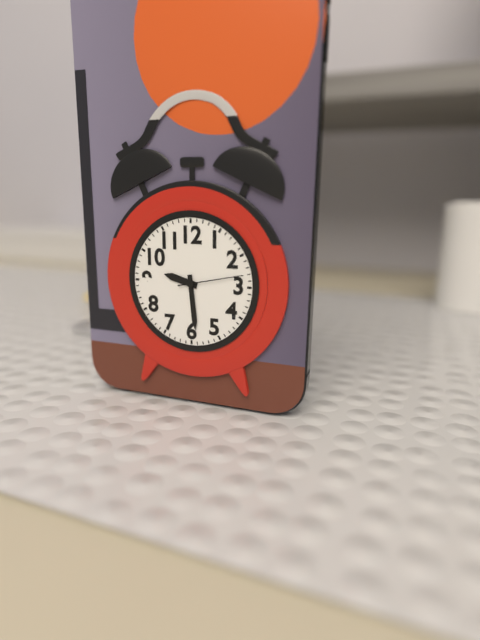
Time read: **9:29:13**
